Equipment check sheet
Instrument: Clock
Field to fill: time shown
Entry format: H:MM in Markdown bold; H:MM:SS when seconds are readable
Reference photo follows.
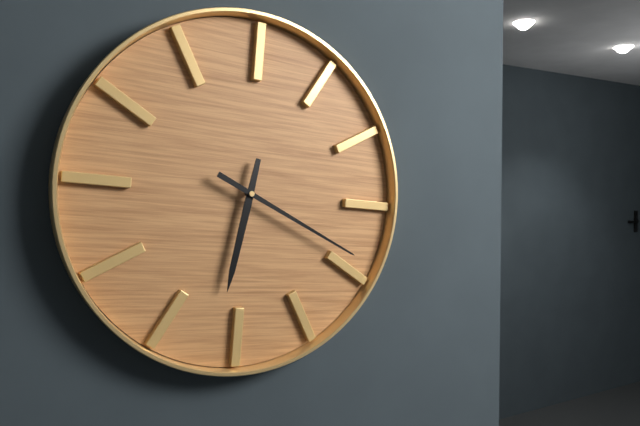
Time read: **6:19**
